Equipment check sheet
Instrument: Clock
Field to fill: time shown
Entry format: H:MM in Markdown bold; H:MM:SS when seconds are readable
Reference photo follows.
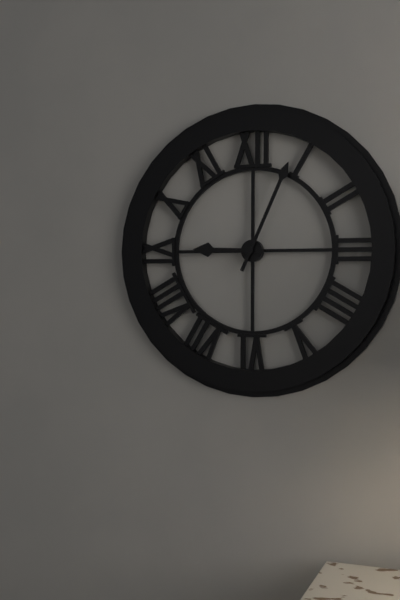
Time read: **9:04**
